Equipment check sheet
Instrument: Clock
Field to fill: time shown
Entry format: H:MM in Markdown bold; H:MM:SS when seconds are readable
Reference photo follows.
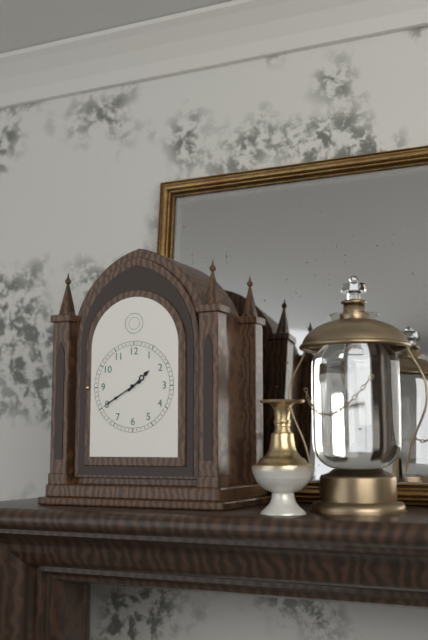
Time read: **1:40**
